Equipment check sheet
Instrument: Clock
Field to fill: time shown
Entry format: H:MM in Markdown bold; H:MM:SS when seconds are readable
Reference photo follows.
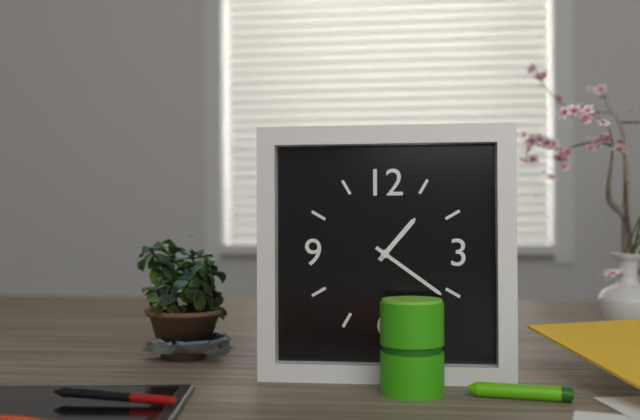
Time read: **1:21**
